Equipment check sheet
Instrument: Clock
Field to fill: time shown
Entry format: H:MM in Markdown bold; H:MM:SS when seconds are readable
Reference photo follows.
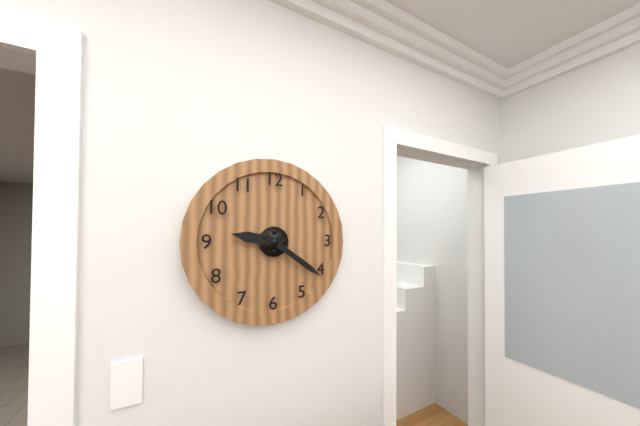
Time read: **9:21**
